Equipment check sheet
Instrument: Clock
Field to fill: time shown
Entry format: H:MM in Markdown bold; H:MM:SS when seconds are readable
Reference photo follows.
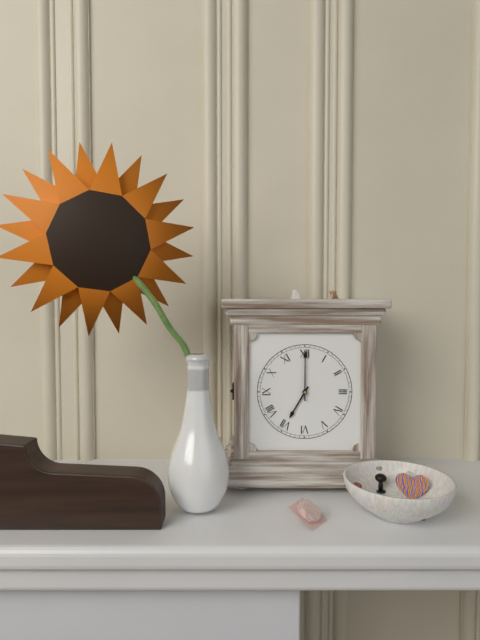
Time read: **7:00**
